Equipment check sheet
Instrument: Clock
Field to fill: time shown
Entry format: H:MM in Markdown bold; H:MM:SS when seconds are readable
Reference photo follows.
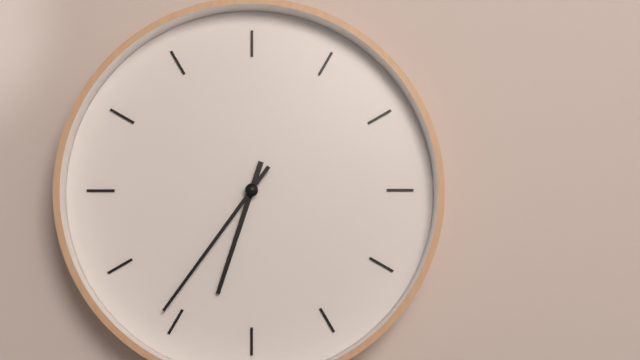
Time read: **6:36**
